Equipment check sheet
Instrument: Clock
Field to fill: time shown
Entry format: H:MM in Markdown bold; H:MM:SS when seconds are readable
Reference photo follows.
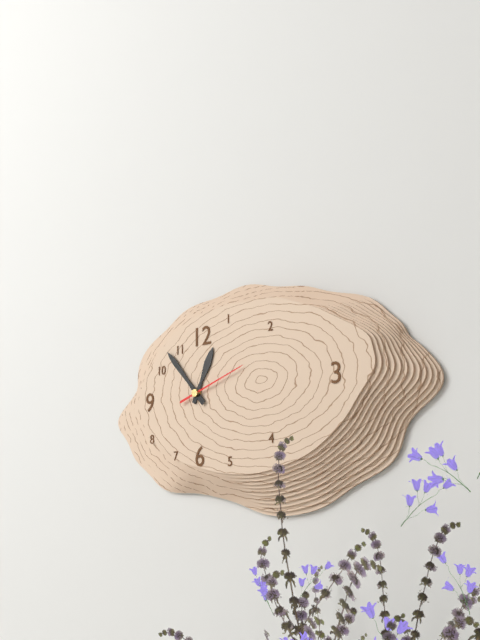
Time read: **12:53:12**
